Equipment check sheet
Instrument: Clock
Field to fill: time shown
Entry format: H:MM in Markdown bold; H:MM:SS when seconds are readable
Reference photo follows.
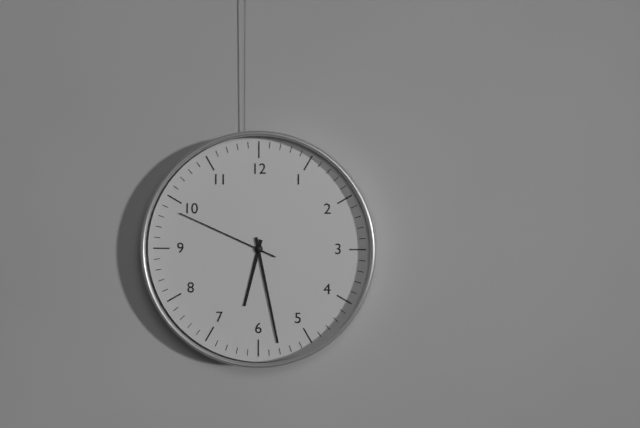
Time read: **6:28:49**
